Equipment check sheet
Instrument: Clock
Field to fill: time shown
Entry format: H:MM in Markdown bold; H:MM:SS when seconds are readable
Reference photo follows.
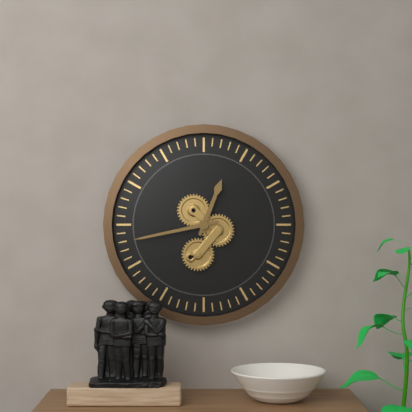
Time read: **12:43**
